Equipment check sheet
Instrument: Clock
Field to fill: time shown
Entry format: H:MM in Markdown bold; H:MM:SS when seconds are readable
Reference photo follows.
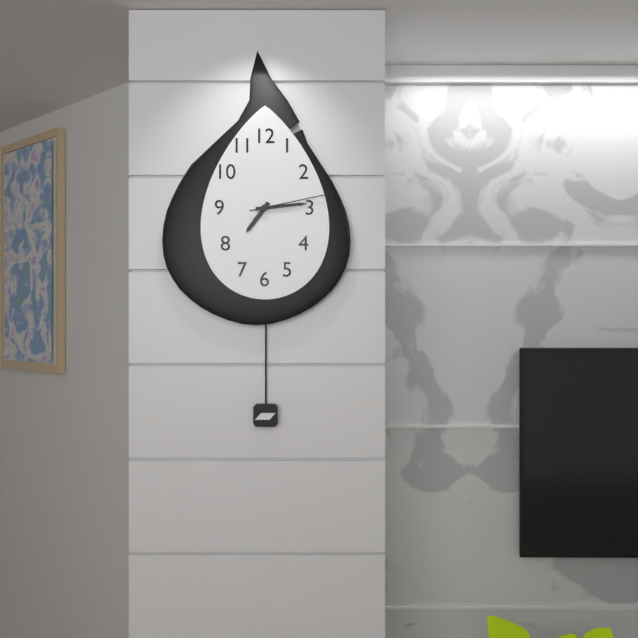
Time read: **7:14:13**
